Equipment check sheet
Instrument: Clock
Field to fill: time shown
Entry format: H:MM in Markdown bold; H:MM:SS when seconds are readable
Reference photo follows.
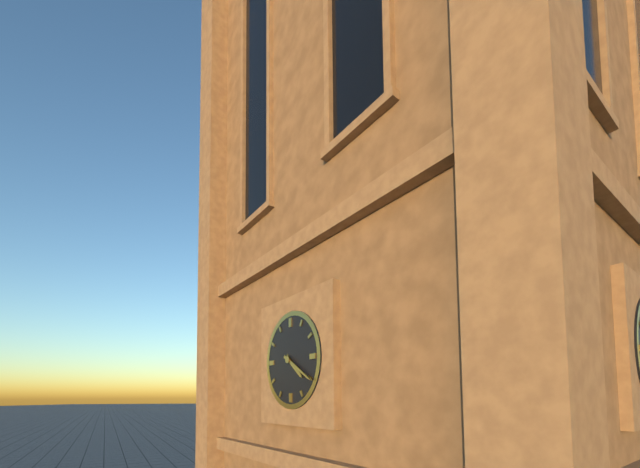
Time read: **4:20**
